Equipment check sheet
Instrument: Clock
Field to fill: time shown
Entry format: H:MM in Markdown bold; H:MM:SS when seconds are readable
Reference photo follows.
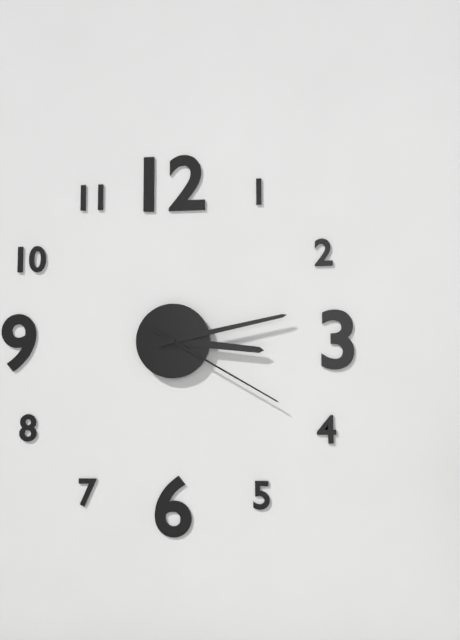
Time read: **3:13:20**
